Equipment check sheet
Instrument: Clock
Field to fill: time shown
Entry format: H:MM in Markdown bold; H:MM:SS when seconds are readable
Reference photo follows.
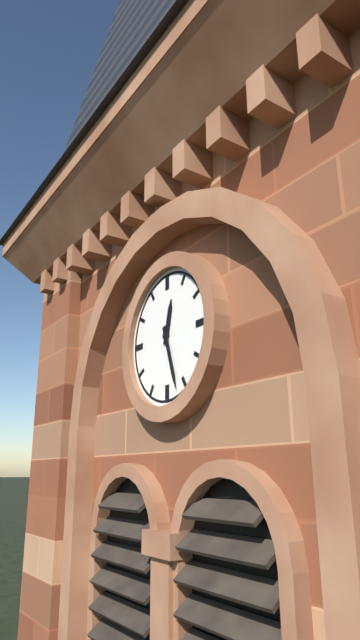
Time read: **12:27**
